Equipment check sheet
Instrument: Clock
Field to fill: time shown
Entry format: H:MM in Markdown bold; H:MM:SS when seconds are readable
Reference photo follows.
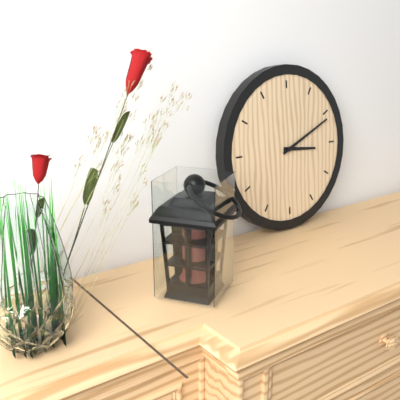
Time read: **3:11**
